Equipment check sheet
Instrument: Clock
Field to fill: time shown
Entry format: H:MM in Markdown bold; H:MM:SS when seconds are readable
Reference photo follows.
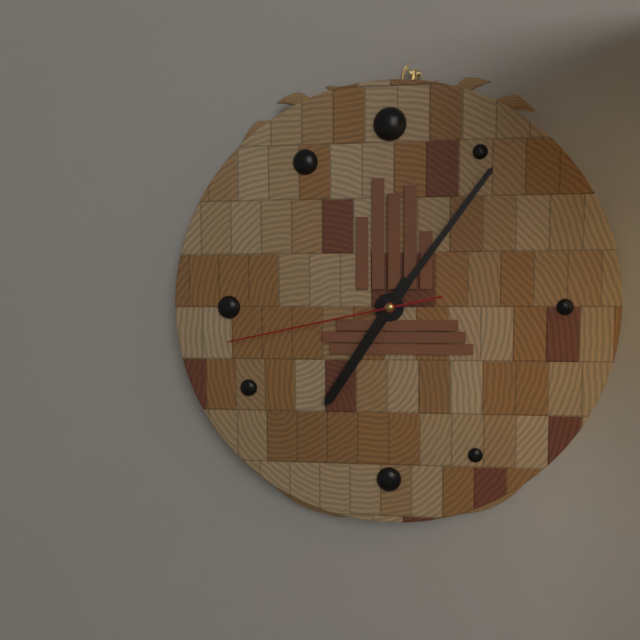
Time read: **7:06:43**
